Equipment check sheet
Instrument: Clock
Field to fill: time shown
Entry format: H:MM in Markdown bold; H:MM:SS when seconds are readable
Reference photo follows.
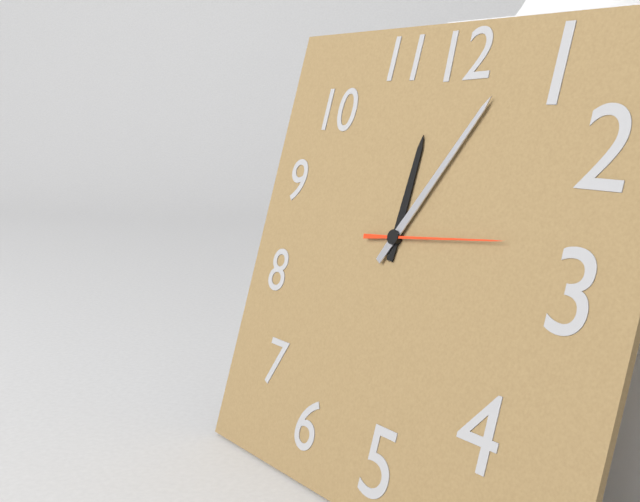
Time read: **12:05:14**
